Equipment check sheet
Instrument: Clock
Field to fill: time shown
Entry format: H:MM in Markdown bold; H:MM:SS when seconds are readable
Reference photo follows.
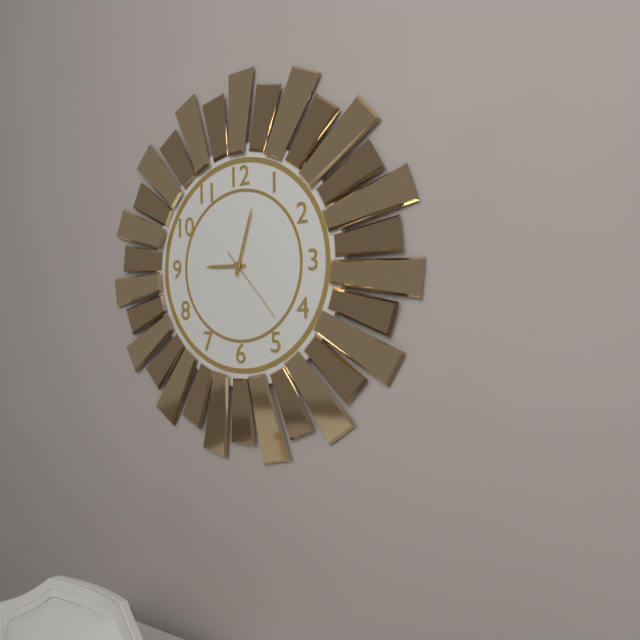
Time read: **9:03:23**
